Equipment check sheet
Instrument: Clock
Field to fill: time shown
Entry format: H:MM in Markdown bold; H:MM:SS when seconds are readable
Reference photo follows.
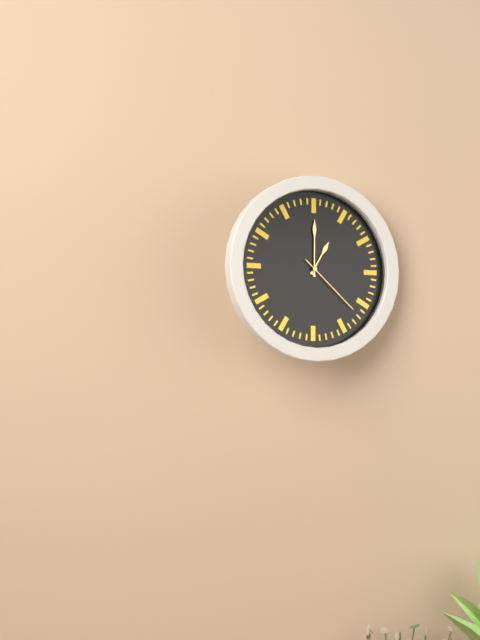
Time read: **1:00:22**
